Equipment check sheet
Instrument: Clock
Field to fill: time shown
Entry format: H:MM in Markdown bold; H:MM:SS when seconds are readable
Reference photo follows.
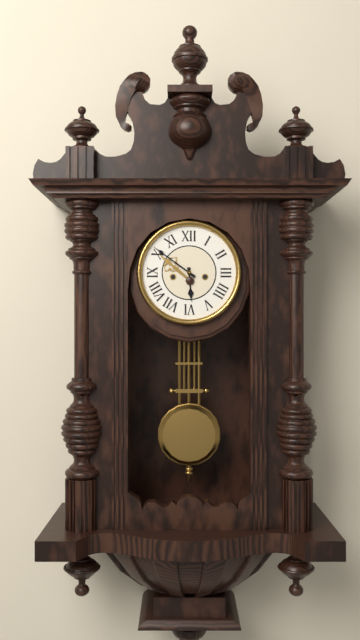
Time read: **5:51**
